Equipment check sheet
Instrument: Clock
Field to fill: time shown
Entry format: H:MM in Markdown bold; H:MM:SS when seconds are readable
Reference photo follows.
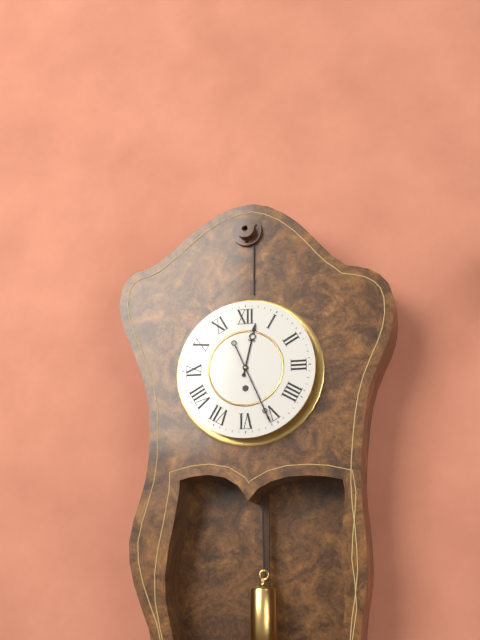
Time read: **12:26**
